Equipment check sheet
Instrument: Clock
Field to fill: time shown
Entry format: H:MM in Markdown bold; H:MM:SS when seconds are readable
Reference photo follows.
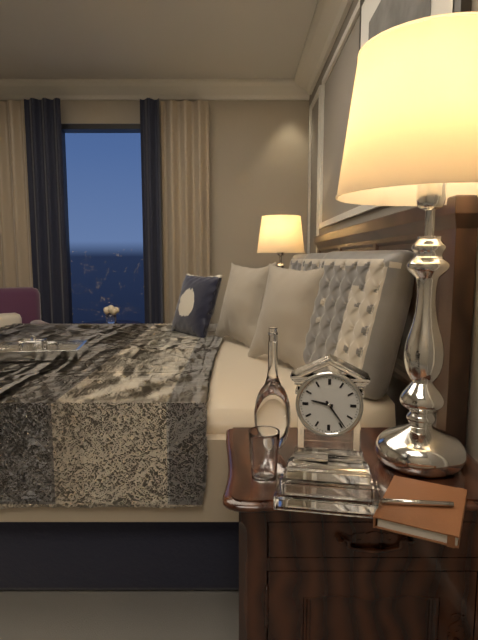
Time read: **9:24**
